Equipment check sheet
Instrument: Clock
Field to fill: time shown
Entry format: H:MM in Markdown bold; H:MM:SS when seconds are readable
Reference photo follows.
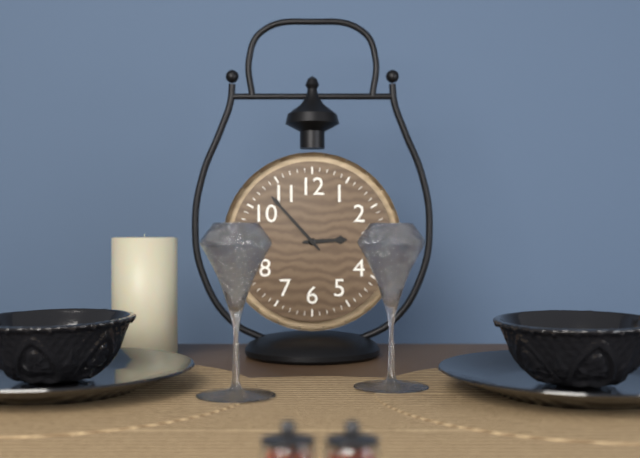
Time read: **2:53**
